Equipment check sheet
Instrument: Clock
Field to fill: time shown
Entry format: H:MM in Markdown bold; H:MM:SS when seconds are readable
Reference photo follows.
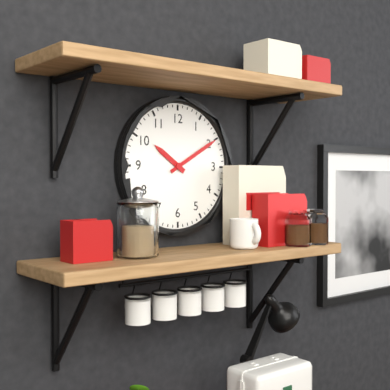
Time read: **10:10**
